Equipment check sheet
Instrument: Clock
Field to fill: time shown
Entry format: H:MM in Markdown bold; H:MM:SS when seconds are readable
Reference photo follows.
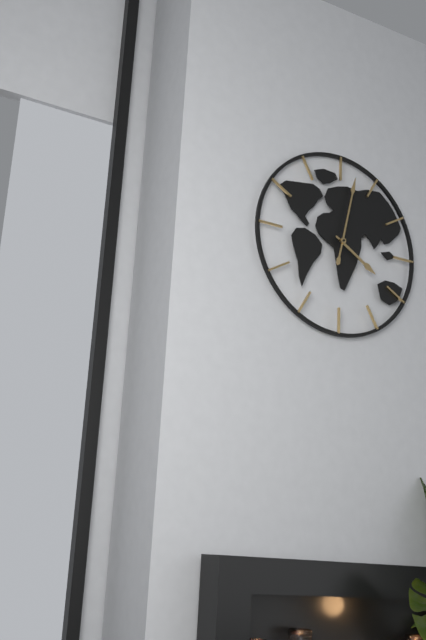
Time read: **4:02**
